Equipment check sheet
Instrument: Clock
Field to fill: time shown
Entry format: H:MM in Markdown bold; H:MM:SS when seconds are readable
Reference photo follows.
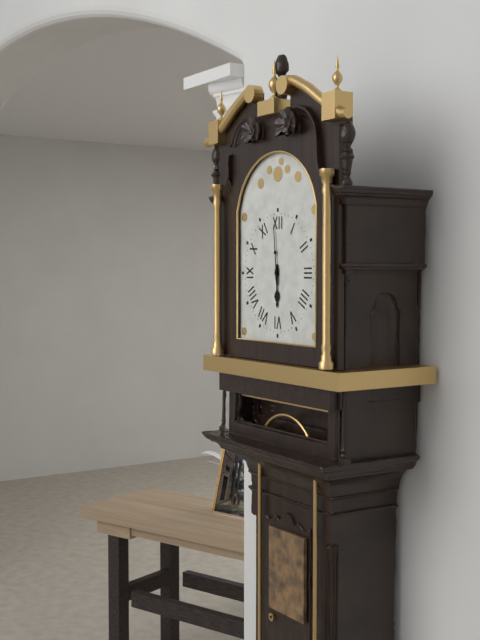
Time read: **5:59**
